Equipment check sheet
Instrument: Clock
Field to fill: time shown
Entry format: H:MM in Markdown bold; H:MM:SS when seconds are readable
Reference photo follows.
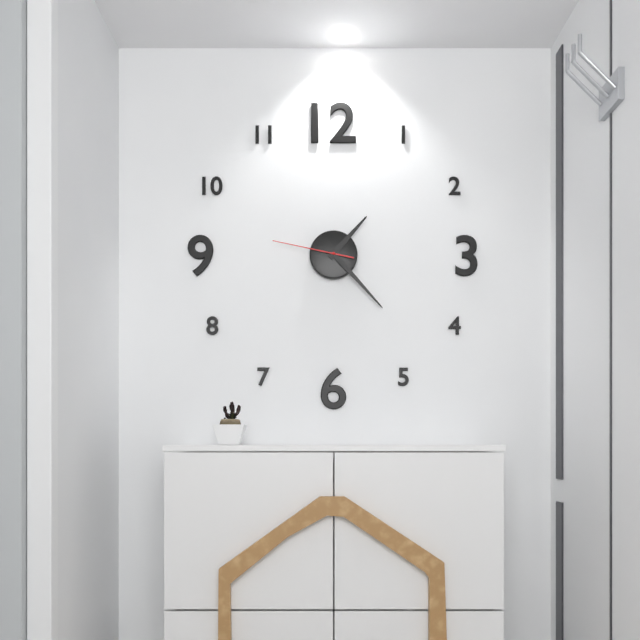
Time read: **1:23:47**
